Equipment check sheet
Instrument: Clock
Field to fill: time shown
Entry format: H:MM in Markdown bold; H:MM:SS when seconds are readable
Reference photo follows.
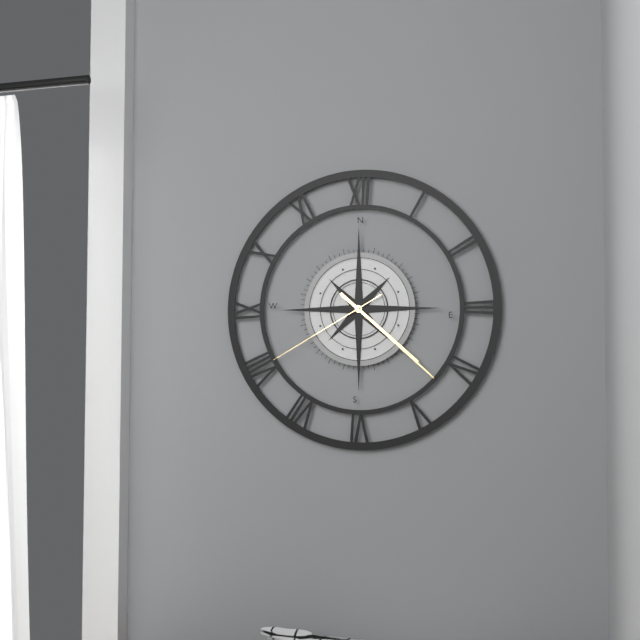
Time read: **4:22:40**
